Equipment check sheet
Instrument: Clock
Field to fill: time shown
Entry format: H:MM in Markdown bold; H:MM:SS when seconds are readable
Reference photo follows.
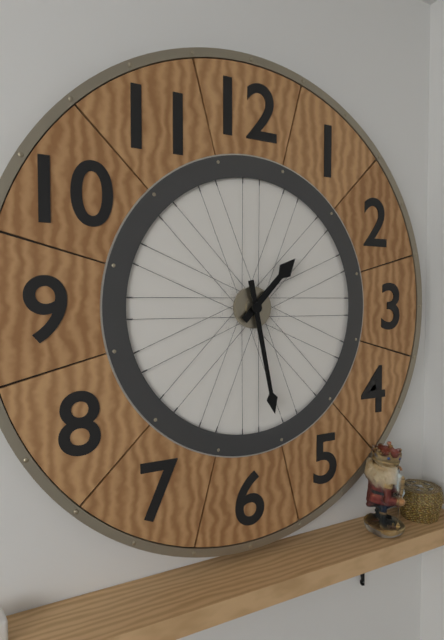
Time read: **1:28**
